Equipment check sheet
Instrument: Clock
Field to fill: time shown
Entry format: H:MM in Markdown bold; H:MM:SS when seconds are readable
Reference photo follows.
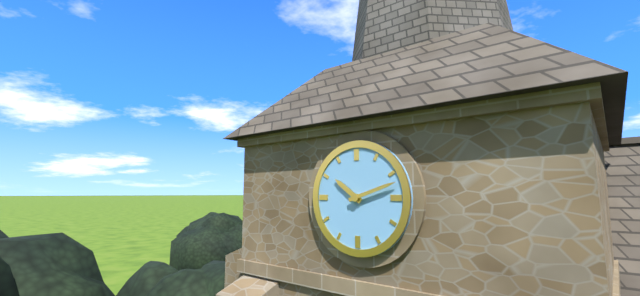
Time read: **10:12**
